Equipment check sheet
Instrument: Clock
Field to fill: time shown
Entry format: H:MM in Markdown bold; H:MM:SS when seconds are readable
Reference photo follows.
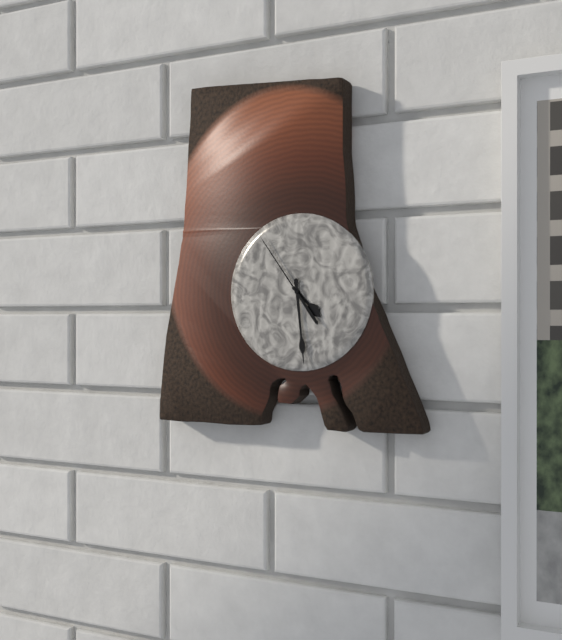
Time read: **4:29:54**
